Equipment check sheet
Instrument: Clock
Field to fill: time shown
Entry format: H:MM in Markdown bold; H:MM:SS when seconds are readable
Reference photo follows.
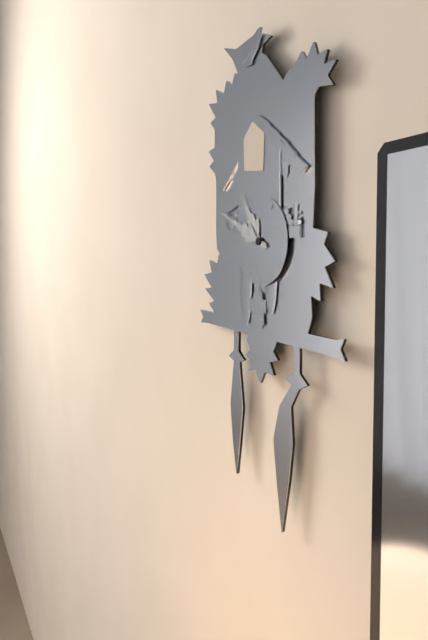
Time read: **10:49**
